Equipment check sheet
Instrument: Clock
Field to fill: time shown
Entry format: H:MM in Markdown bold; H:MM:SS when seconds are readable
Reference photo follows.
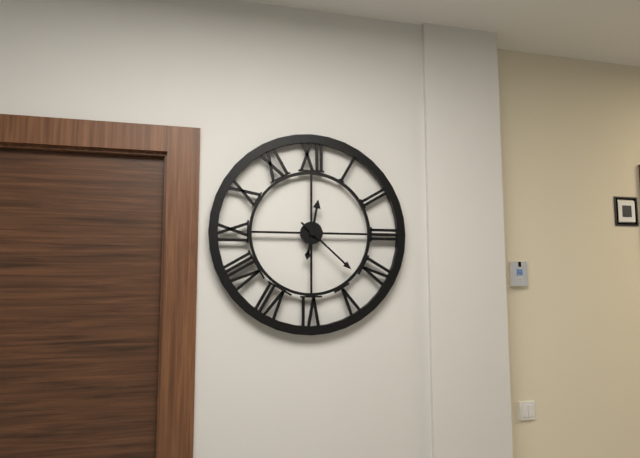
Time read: **12:22**
